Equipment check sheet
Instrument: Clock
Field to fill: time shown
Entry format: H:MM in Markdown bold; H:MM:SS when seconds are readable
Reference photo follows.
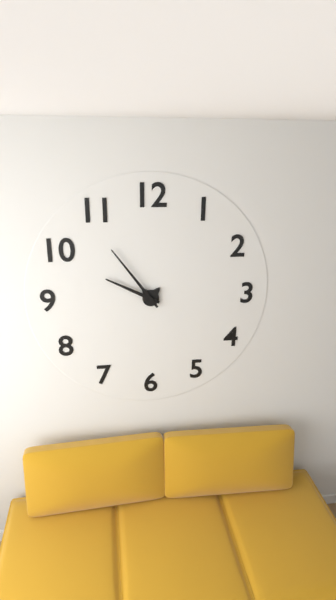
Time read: **9:54**
